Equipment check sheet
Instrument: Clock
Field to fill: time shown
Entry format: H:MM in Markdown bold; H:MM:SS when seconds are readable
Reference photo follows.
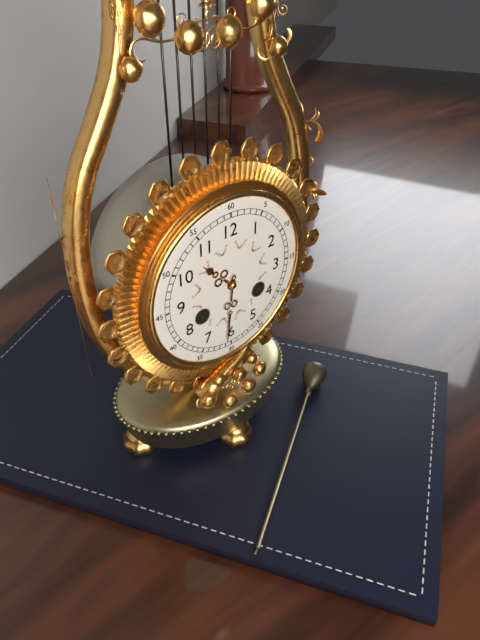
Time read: **10:31**
